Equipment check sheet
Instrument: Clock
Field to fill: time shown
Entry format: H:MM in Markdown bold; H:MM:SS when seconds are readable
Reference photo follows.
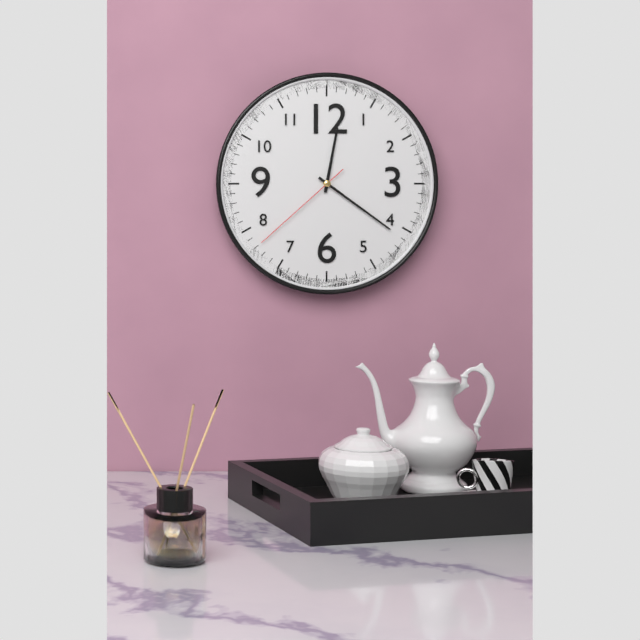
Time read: **12:21:38**
